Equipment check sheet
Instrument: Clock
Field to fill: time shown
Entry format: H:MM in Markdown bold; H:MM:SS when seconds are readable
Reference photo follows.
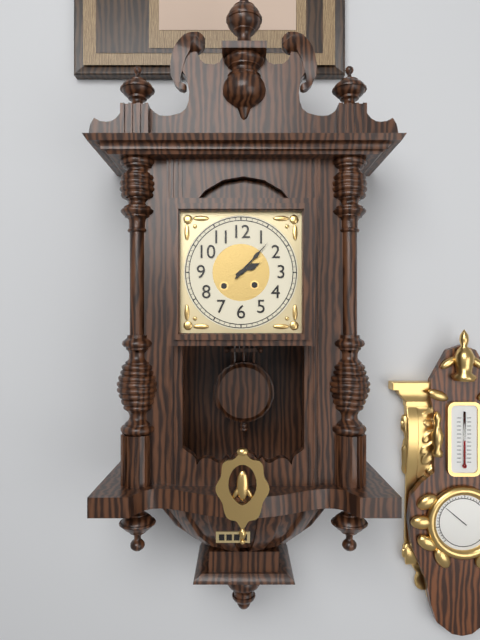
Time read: **2:07**
